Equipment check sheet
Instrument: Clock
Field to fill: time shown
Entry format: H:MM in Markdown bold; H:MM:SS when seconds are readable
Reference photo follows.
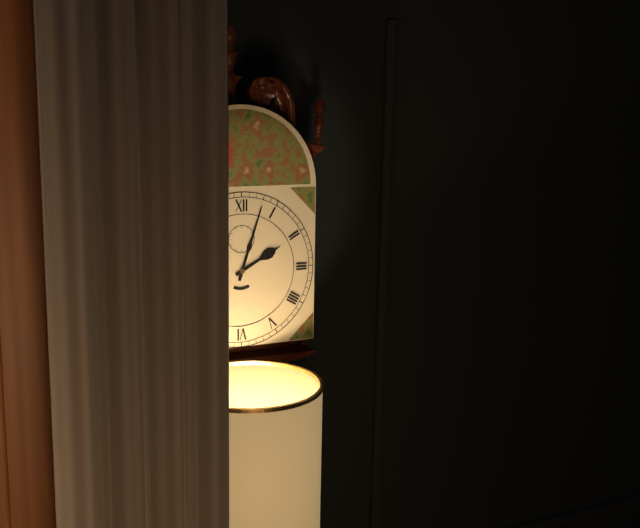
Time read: **2:03**
